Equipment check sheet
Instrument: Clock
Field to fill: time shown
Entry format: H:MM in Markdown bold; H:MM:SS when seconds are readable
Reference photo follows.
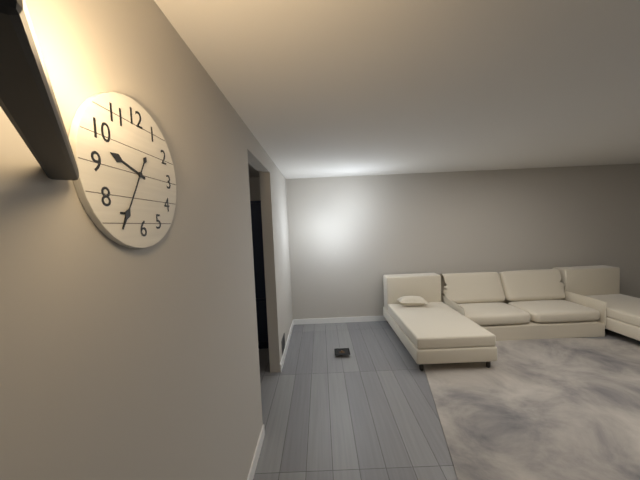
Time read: **9:35**
